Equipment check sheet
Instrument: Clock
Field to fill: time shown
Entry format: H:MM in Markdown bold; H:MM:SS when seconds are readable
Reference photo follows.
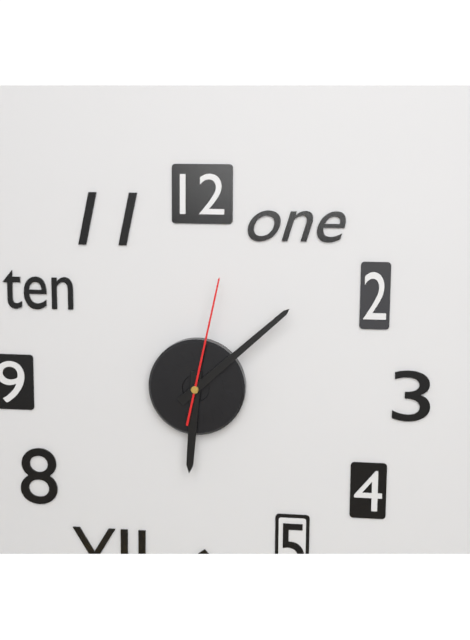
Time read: **6:08:02**
